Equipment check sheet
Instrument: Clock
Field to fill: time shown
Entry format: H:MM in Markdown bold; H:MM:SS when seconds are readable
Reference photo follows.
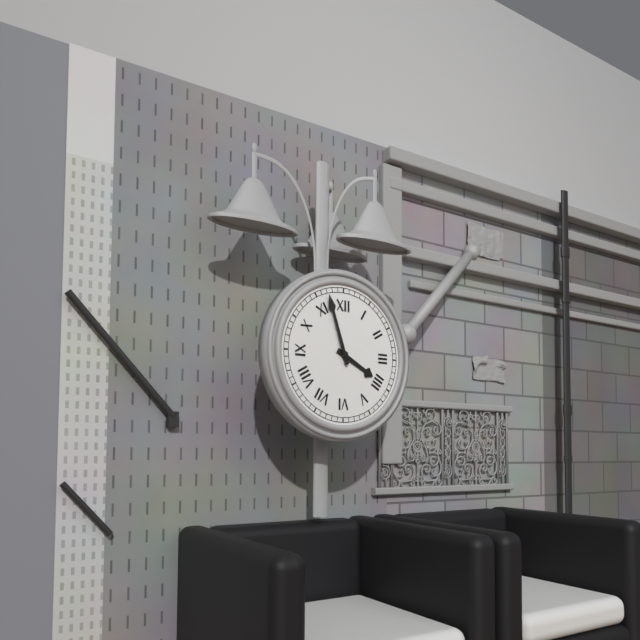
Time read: **3:57**
